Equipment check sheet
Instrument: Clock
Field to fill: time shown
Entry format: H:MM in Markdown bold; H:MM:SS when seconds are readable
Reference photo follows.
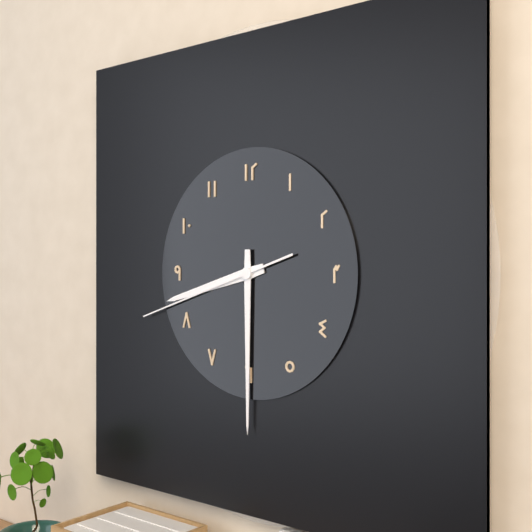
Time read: **8:30:42**
